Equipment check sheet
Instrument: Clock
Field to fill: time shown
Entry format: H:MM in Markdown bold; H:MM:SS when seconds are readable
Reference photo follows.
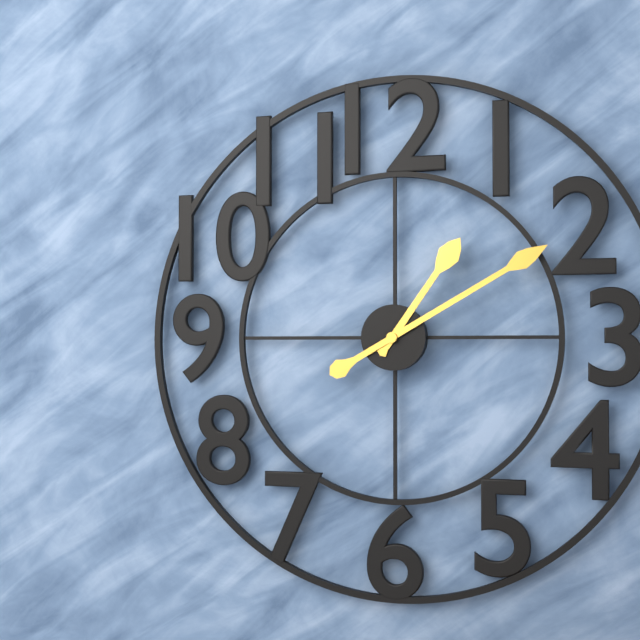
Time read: **1:10**
